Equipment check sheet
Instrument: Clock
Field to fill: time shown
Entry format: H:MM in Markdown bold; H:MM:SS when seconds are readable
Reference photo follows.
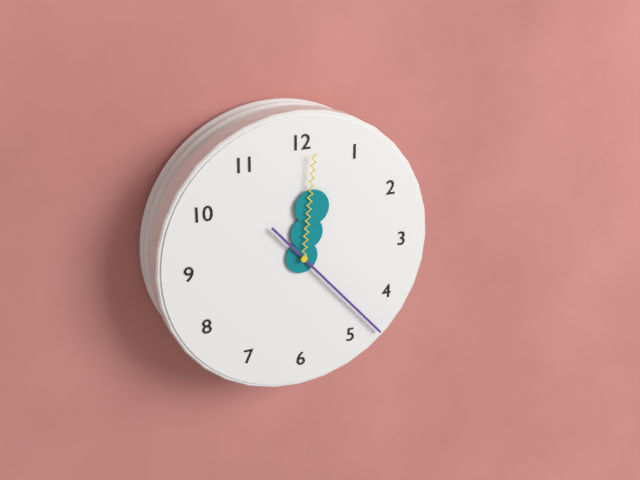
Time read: **12:23:01**
